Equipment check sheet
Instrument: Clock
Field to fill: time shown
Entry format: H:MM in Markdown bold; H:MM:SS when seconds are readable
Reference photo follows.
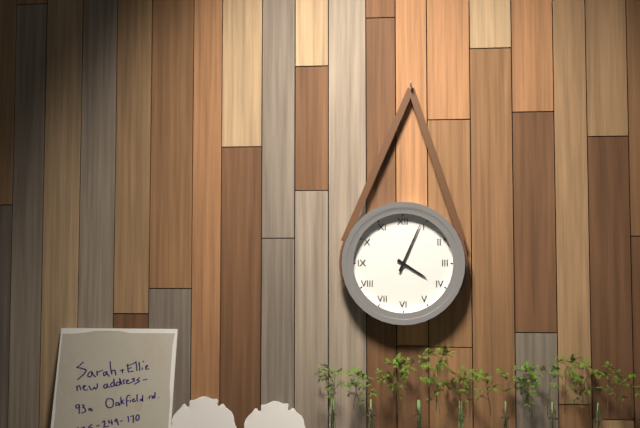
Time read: **4:04**
